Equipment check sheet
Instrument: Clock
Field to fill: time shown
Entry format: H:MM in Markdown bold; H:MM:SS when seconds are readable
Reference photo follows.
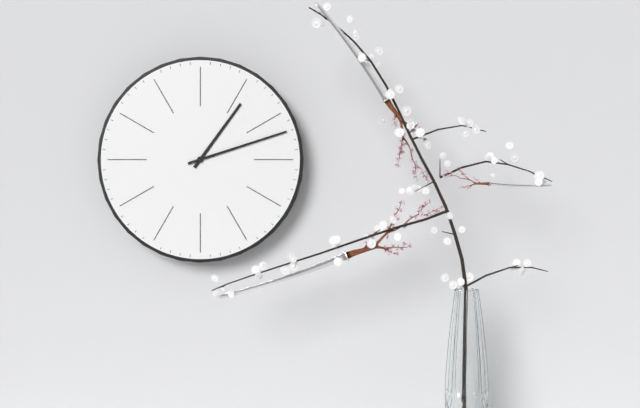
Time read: **1:12**
